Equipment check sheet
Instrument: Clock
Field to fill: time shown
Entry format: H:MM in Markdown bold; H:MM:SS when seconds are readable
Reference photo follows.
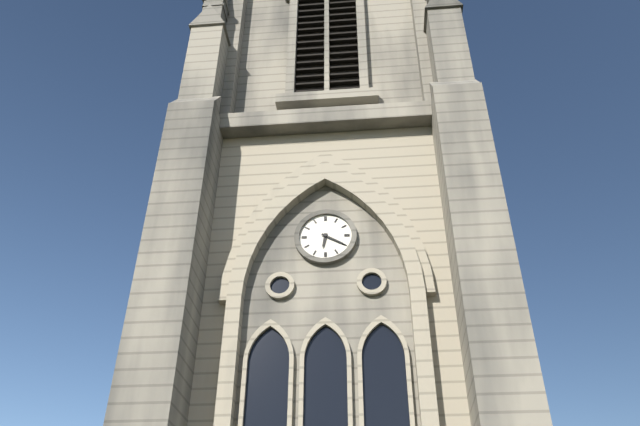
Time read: **6:20**
